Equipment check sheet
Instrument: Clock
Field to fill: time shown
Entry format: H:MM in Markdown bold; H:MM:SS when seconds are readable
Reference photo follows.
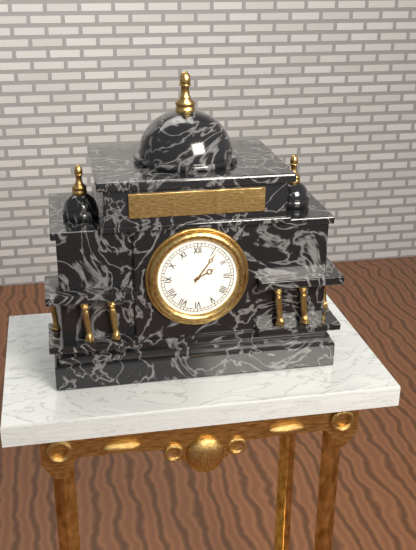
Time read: **2:06**
